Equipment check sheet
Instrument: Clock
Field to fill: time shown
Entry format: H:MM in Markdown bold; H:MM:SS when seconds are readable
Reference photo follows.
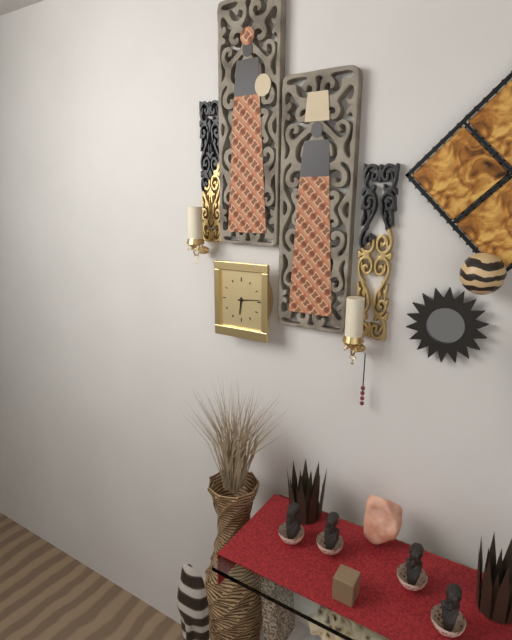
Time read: **6:14**
